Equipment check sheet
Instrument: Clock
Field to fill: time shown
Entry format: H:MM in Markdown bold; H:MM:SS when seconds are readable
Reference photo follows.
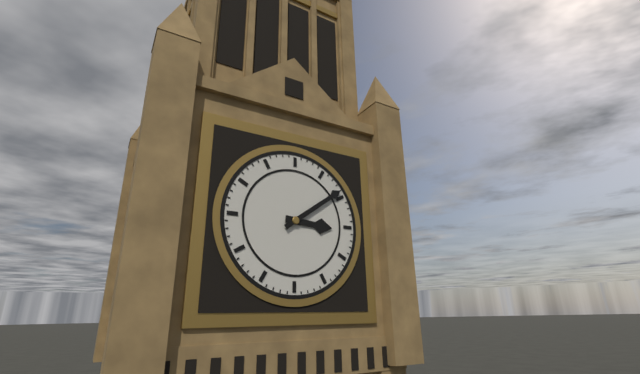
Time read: **3:09**
